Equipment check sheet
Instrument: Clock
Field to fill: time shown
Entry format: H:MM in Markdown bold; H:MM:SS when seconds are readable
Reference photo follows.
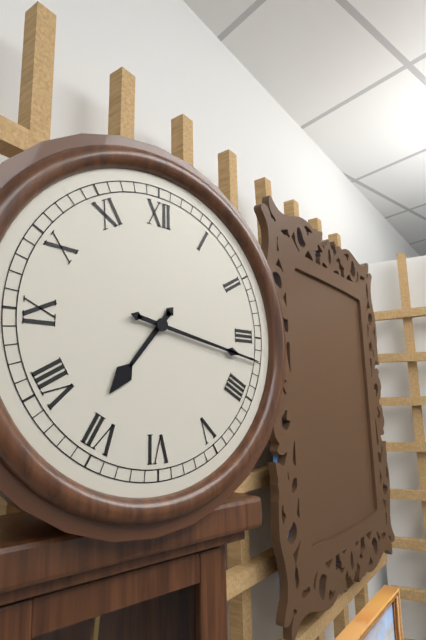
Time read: **7:17**
